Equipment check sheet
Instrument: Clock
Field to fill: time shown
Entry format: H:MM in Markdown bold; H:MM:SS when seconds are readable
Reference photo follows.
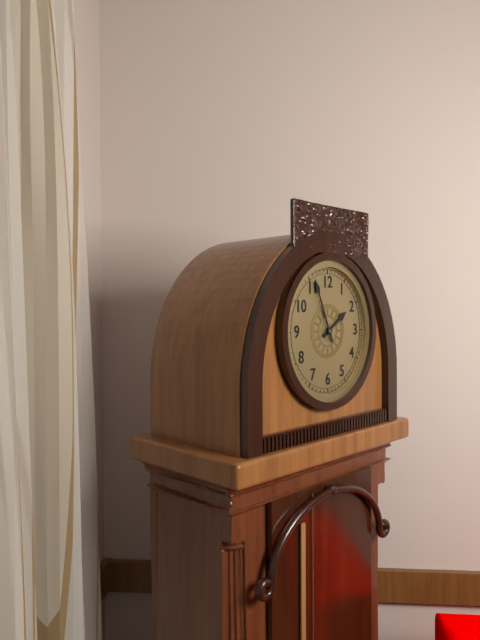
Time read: **1:56**
